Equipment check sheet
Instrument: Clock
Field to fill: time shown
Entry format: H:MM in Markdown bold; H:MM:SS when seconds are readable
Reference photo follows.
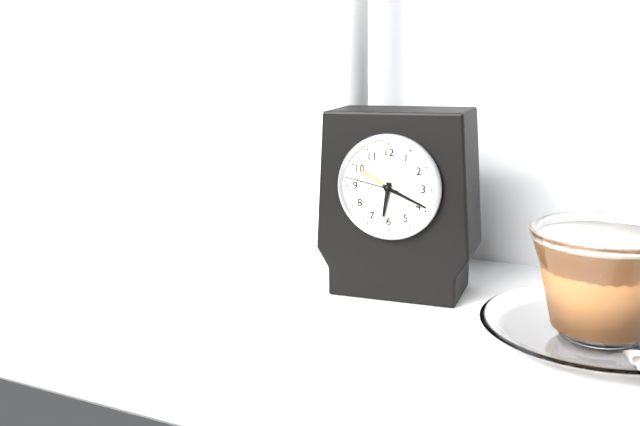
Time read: **6:19:47**
